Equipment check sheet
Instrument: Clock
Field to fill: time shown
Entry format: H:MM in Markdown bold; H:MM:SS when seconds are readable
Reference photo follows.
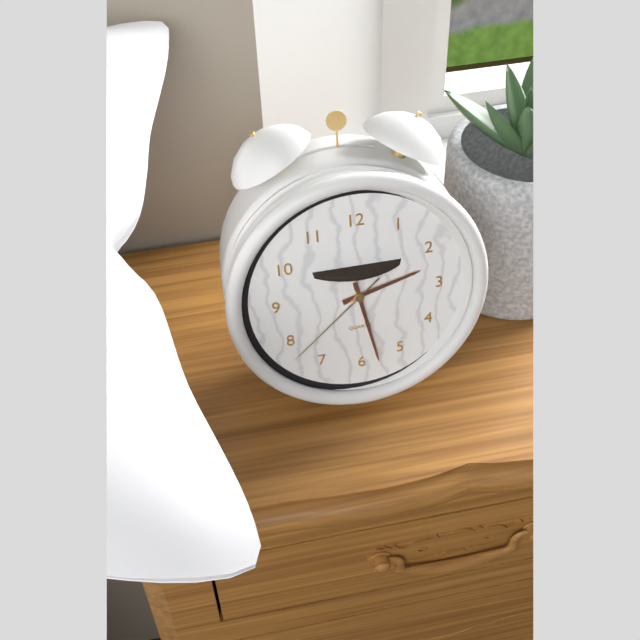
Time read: **2:28:38**
